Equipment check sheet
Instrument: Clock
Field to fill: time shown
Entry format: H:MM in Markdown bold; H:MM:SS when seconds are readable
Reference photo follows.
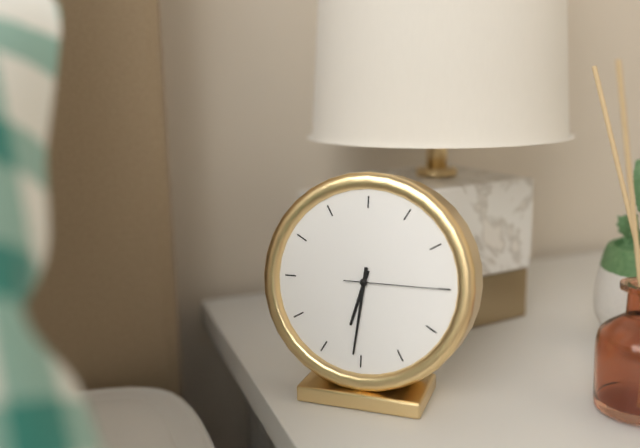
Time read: **6:31:15**
